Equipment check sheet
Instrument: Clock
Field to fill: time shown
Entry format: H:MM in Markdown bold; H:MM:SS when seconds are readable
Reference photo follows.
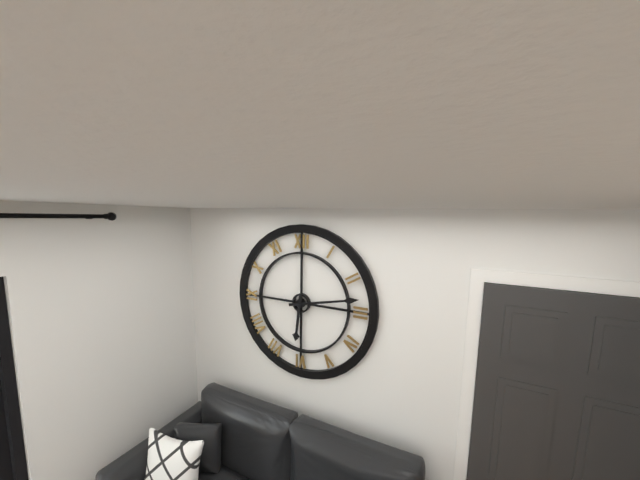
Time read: **6:13**
